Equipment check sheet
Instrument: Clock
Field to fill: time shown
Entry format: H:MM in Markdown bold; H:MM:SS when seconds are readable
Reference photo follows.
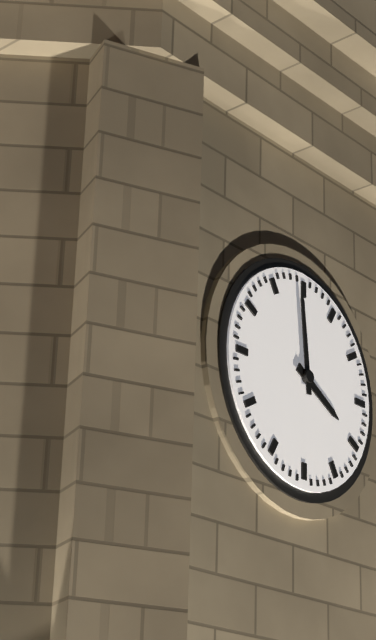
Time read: **3:59**
